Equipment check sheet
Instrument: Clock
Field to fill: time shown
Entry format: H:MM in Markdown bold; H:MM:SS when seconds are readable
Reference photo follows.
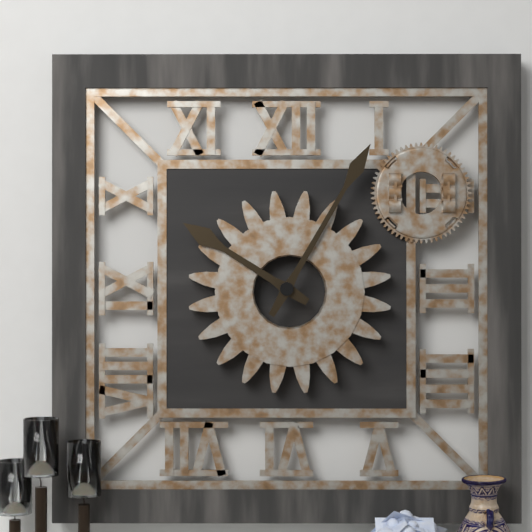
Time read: **10:05**
